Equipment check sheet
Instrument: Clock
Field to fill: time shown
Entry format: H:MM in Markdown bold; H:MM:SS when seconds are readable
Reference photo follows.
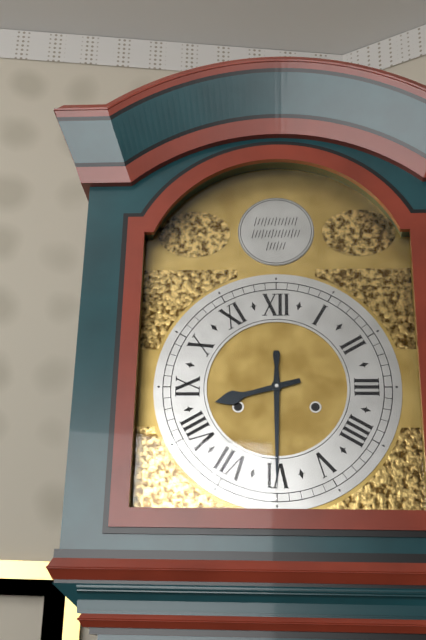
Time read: **8:30**
